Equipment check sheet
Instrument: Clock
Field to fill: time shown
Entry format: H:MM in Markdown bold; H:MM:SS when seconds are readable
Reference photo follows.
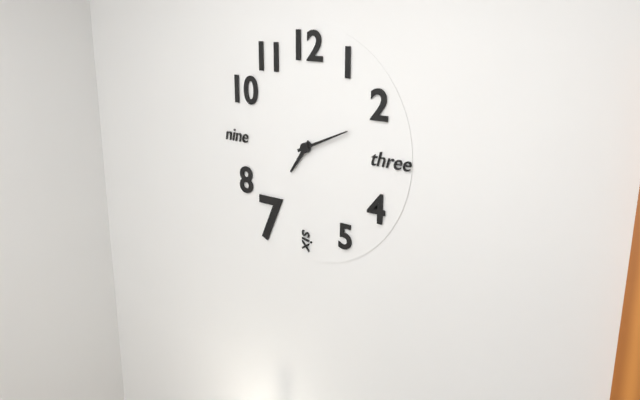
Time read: **7:11**
